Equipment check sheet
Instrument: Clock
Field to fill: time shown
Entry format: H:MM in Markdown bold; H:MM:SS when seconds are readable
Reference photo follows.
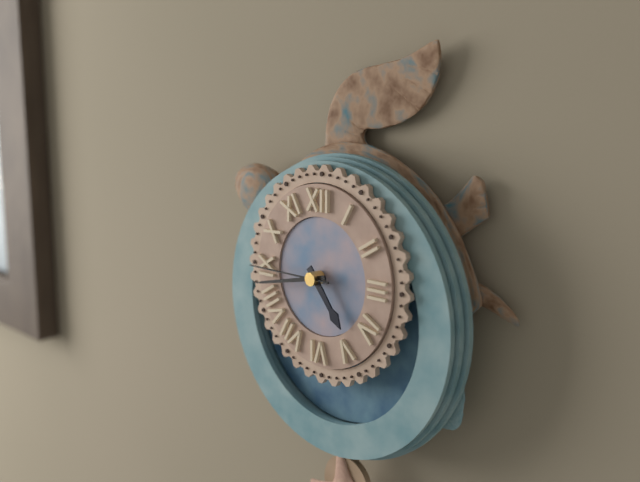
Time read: **4:43:45**
